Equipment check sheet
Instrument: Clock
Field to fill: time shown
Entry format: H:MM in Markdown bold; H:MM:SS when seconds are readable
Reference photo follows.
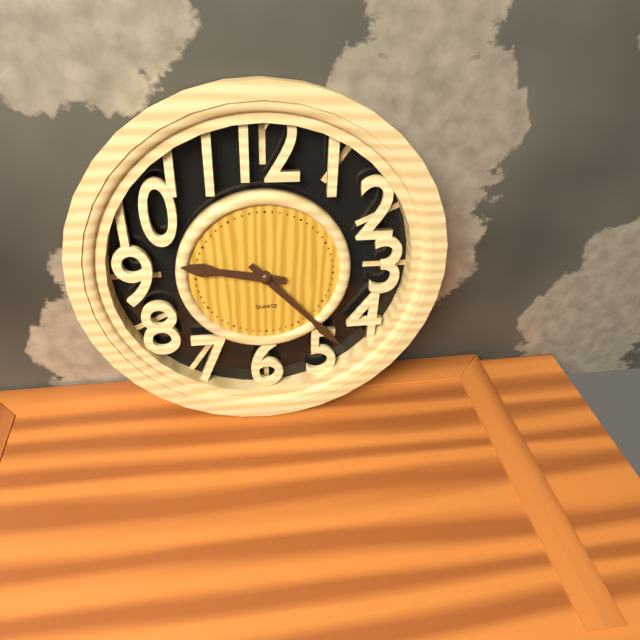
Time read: **9:23**
